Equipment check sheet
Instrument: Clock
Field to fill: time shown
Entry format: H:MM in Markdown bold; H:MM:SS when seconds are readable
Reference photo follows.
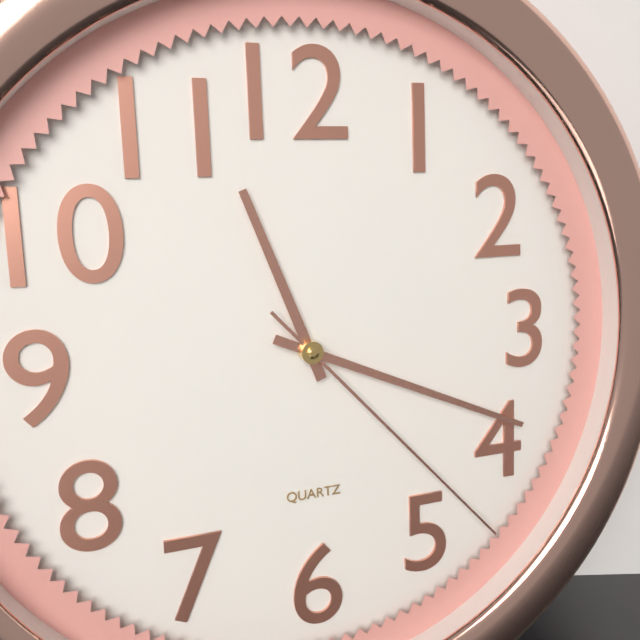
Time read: **11:19:23**
